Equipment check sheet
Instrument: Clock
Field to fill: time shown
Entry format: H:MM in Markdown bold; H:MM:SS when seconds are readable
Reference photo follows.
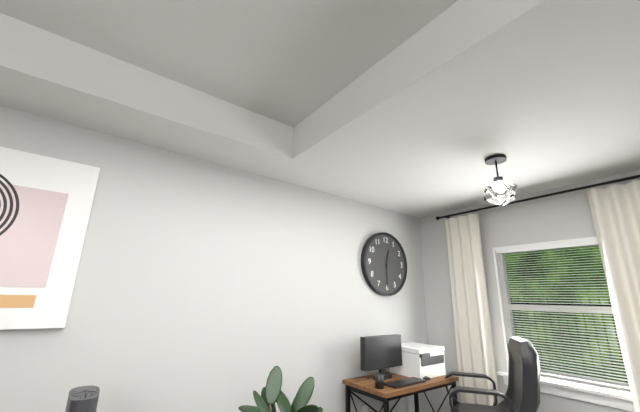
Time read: **12:30**
